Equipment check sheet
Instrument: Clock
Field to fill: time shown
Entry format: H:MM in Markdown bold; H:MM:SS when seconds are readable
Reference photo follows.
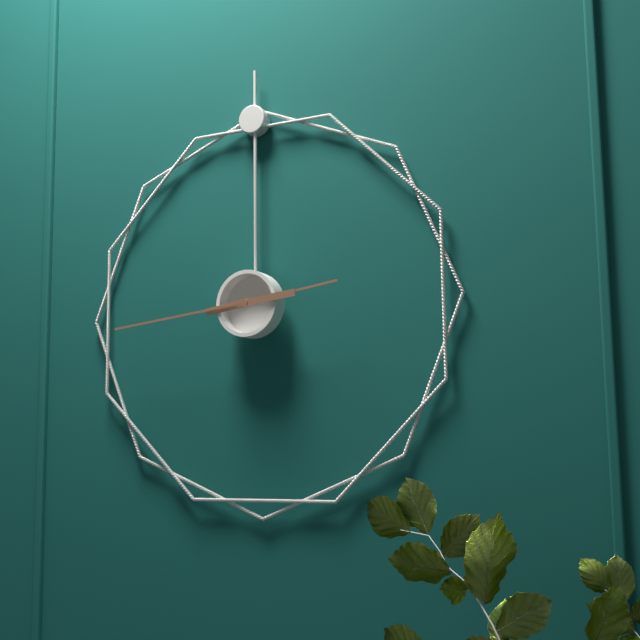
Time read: **2:44**
